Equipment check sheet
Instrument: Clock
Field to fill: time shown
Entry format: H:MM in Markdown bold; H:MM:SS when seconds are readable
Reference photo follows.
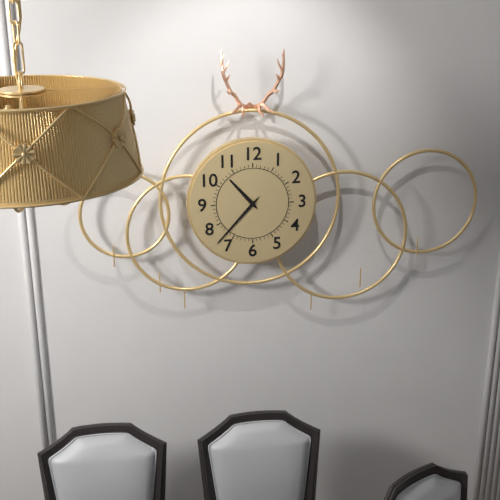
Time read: **10:37**
